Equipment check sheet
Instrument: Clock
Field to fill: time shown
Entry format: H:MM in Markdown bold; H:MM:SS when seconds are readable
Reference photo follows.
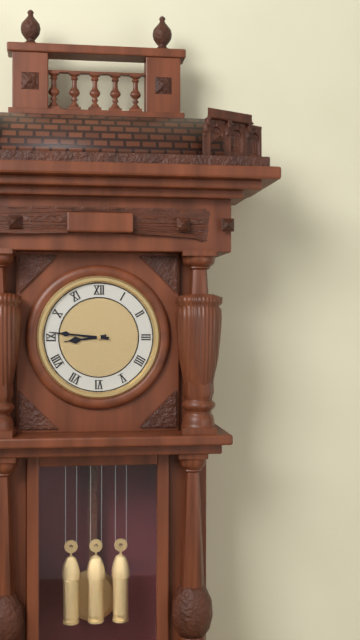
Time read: **8:46**
